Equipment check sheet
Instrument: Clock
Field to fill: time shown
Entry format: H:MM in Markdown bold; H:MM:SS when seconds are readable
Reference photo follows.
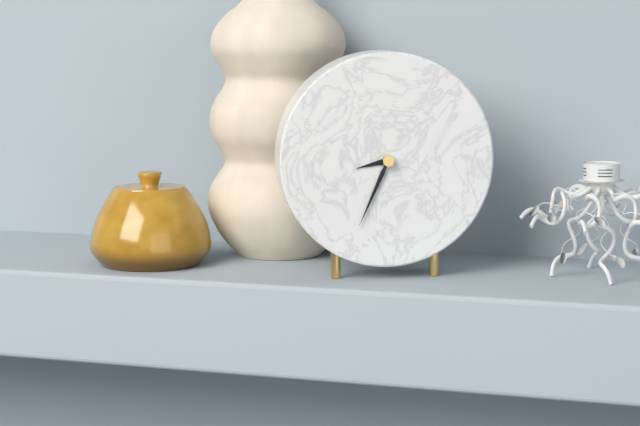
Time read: **8:34**
